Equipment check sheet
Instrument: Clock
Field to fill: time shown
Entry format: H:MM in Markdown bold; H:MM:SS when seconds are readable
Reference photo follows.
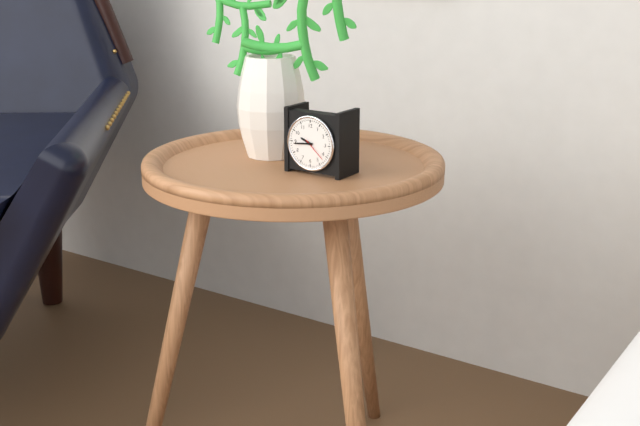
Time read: **9:44**
